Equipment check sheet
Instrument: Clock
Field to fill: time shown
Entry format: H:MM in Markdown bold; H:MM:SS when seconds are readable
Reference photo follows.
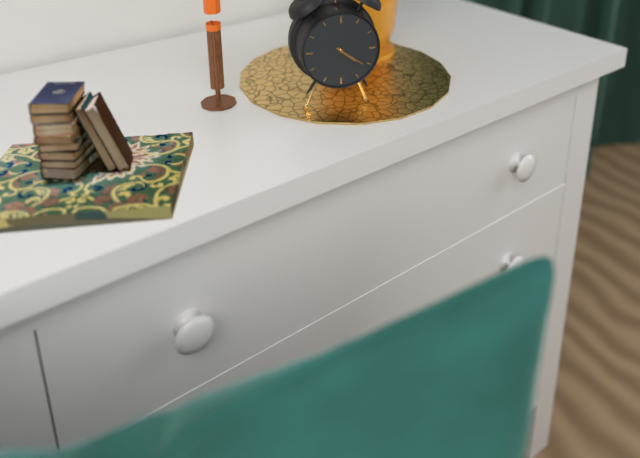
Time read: **4:21**
